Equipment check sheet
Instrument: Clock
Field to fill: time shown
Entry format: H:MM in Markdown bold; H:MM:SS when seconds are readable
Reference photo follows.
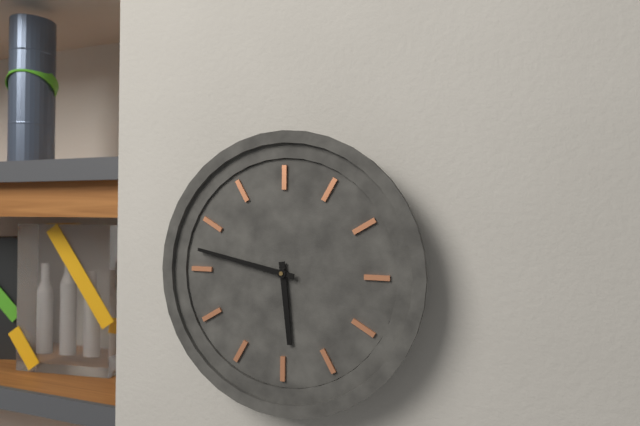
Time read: **5:47**
